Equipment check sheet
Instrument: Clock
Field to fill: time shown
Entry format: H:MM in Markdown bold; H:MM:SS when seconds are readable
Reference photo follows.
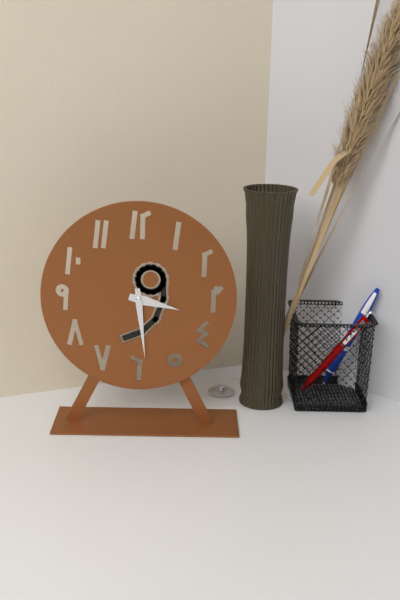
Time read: **3:29**
